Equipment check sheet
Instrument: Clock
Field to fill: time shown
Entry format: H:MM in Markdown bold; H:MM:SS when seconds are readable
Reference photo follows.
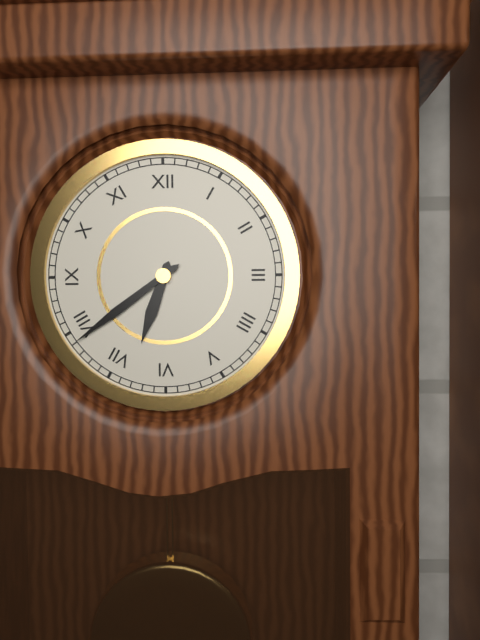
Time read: **6:39**
